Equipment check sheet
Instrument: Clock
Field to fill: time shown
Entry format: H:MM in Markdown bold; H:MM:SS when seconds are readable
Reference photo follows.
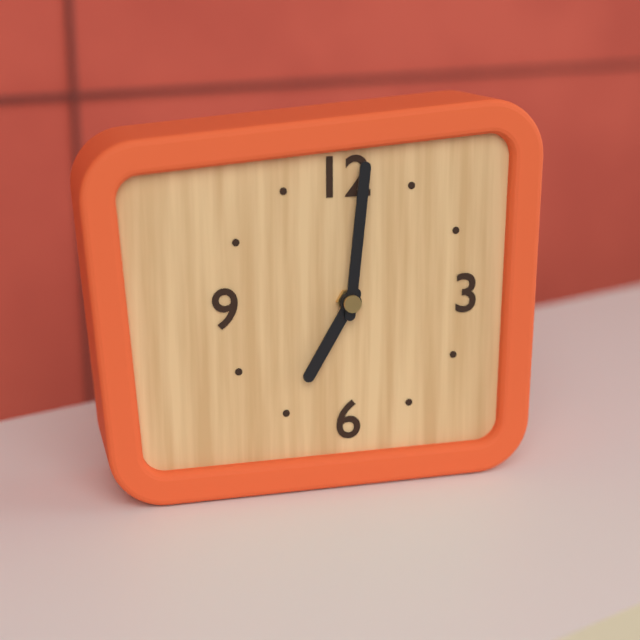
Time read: **7:01**
